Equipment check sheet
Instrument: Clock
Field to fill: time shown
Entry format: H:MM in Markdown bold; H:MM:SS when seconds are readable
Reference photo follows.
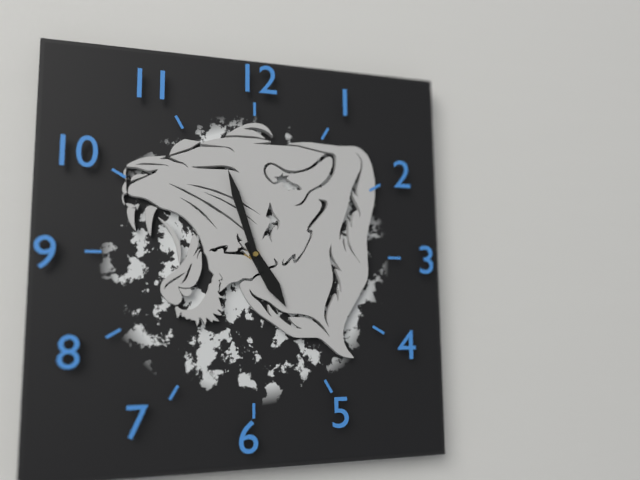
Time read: **4:57**
